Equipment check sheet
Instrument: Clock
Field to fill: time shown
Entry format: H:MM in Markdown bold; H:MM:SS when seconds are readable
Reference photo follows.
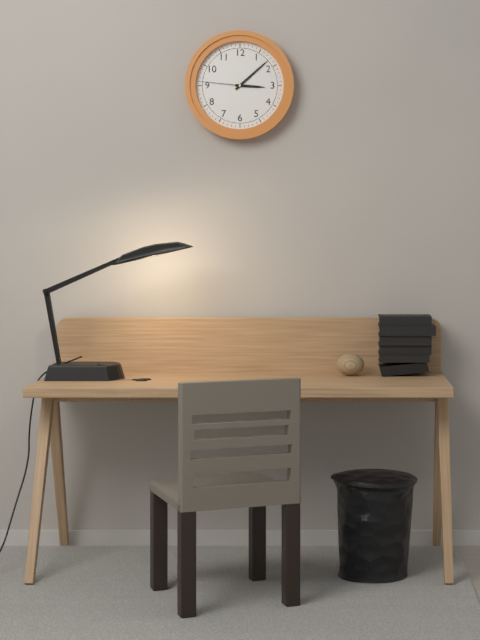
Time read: **3:08:46**
